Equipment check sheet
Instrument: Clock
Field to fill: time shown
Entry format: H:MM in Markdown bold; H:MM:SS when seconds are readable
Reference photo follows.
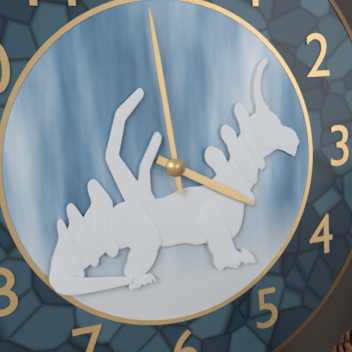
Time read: **3:59**
